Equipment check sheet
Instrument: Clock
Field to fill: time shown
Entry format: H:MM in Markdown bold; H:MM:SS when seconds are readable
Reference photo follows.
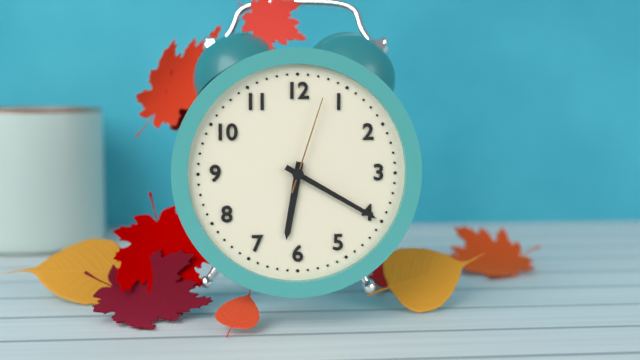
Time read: **6:20:03**
